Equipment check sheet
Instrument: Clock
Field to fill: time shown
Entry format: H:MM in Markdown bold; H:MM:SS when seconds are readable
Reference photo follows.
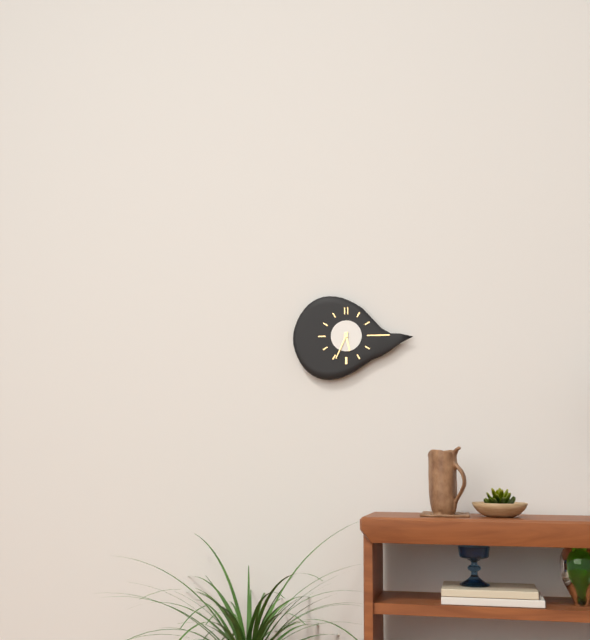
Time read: **5:34**
